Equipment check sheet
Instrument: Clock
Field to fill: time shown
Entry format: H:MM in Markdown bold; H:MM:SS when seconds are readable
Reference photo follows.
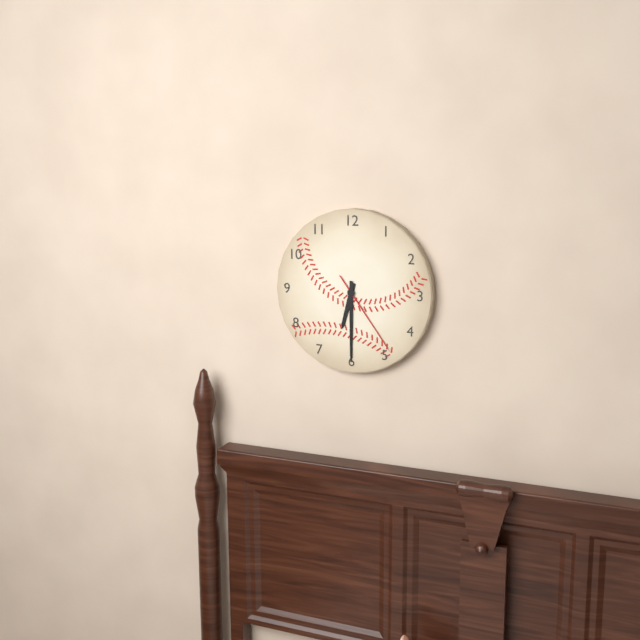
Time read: **6:30:24**
